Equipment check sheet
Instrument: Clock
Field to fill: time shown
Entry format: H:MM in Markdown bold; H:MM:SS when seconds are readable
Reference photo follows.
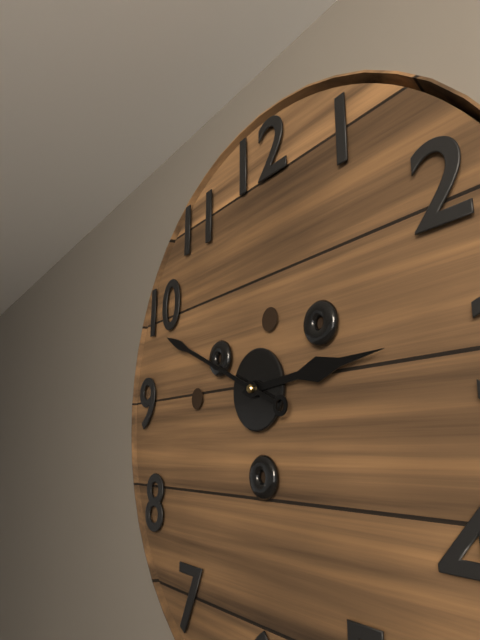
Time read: **2:49**
